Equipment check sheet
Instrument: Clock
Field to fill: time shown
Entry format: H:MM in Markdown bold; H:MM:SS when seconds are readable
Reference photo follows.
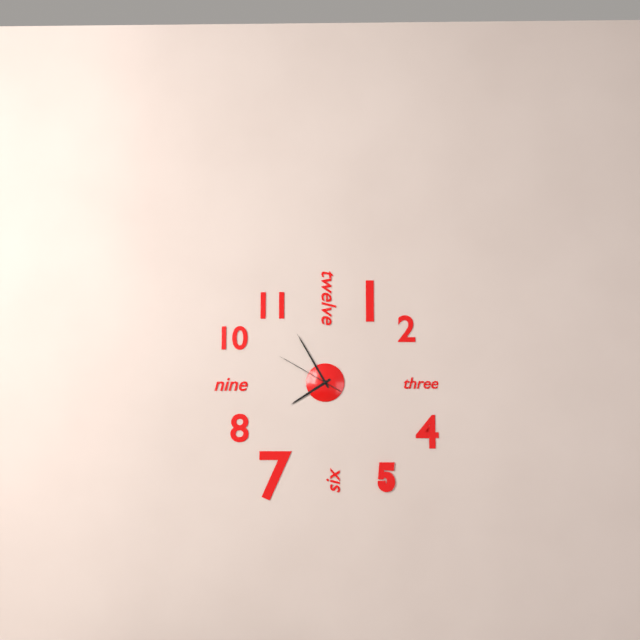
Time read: **7:55:50**
